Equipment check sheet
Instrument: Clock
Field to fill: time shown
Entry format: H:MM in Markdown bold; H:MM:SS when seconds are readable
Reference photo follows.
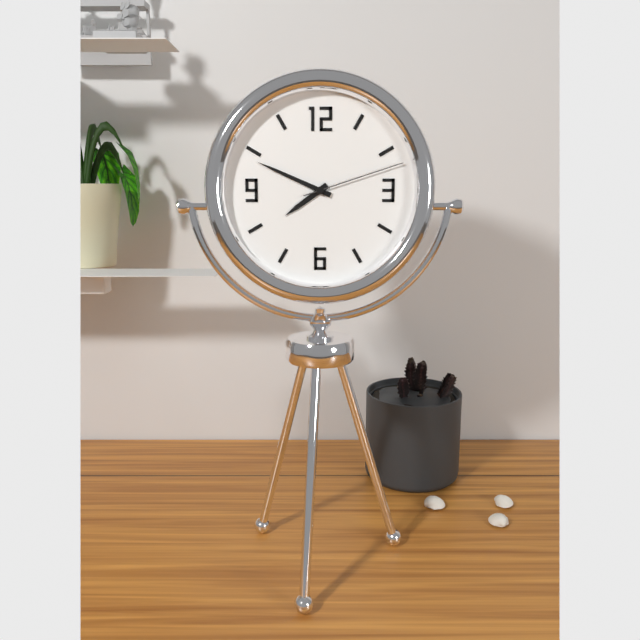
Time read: **7:49:12**
